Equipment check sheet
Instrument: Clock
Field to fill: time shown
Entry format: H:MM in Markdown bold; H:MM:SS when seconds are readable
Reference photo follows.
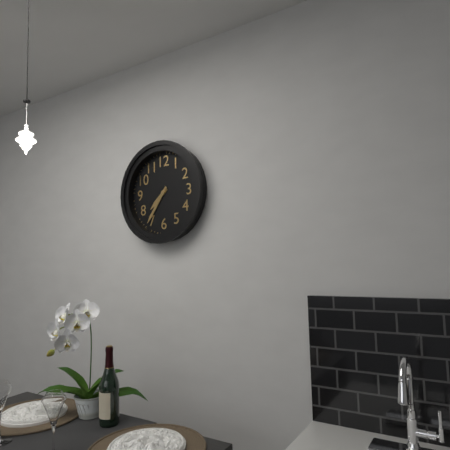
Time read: **7:36**
